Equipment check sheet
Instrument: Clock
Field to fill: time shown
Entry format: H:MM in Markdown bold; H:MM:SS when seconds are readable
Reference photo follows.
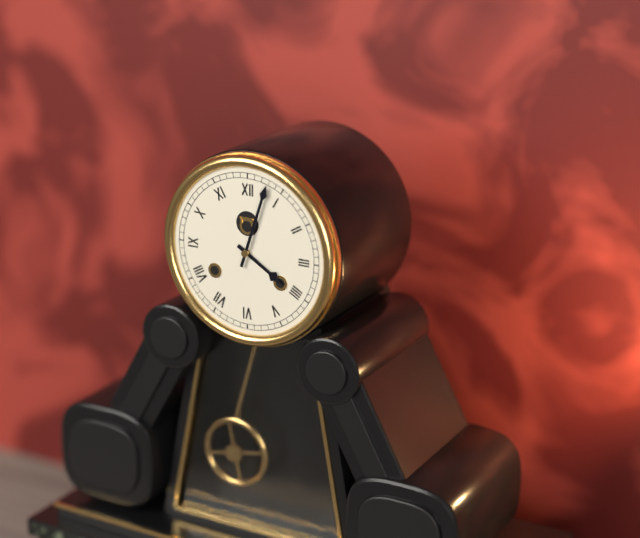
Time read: **4:03**
